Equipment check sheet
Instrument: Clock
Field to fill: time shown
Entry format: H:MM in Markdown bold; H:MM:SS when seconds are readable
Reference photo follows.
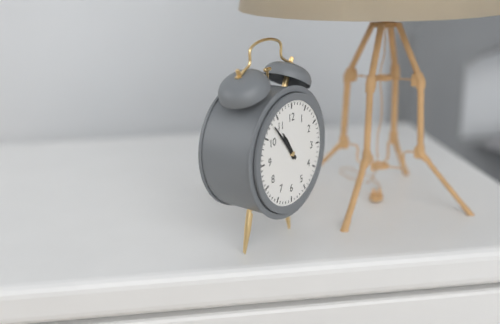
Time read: **10:53**
